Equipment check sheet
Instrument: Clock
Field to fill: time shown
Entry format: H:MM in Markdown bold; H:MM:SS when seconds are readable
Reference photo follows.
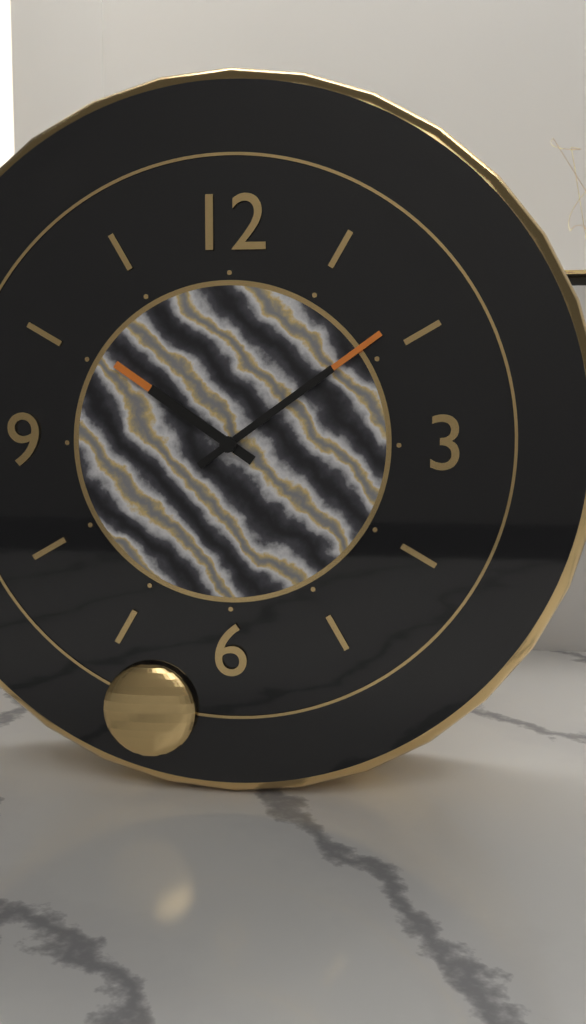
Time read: **10:09**
